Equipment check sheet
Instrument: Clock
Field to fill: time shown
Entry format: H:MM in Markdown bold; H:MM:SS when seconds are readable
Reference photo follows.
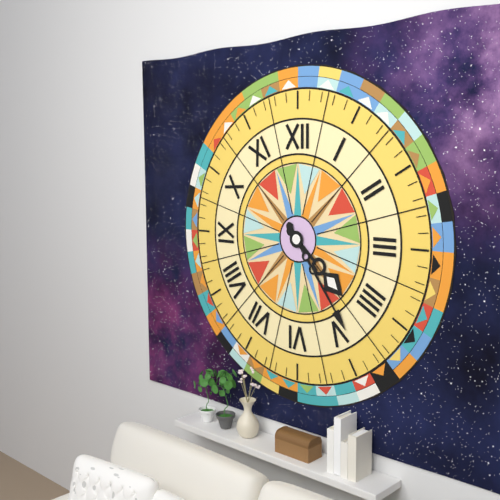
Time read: **4:24**
